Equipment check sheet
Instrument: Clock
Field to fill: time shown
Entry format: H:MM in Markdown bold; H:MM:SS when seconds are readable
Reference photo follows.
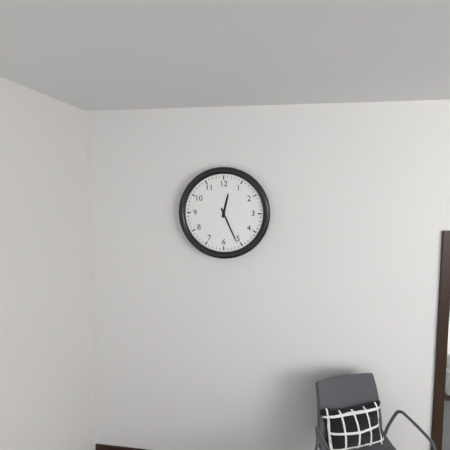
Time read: **12:26**
